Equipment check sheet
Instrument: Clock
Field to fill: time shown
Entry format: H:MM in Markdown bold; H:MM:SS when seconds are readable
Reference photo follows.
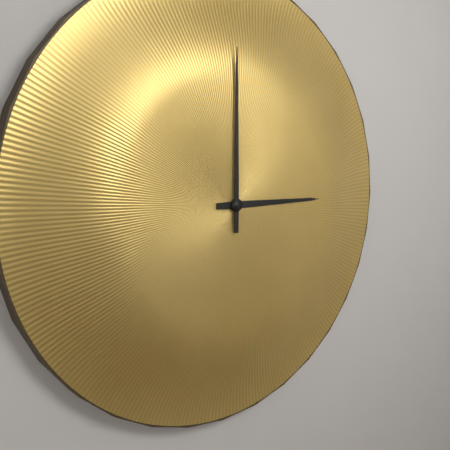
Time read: **3:00**
